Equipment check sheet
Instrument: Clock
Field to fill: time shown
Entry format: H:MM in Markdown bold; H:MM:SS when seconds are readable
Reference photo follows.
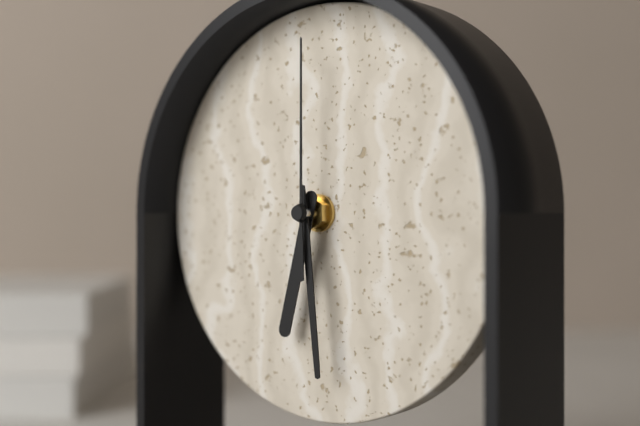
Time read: **6:29:00**
